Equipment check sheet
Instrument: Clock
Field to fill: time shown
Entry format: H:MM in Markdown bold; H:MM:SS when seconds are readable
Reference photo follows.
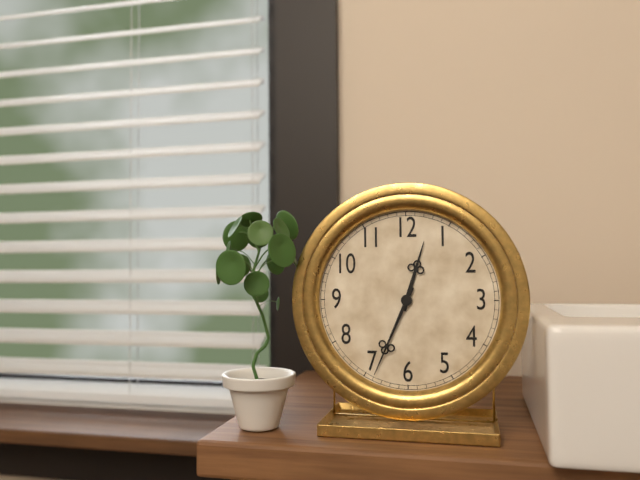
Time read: **12:34**
